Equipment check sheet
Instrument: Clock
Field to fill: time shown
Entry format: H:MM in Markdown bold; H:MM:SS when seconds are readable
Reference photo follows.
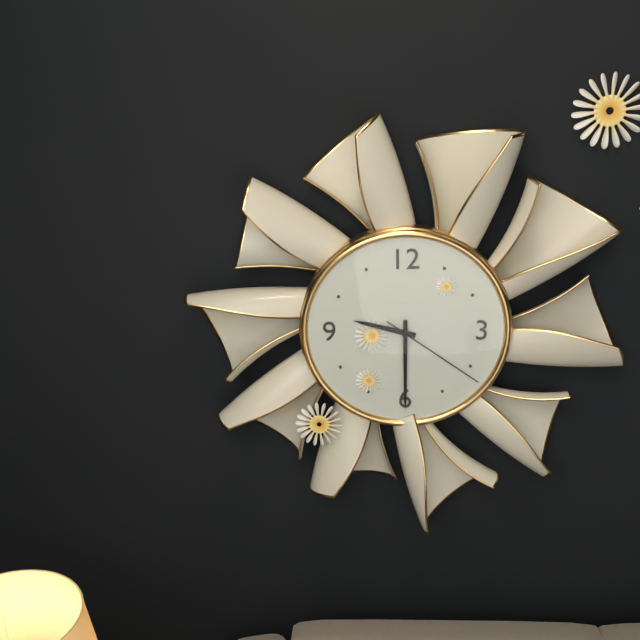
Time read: **9:30:21**
